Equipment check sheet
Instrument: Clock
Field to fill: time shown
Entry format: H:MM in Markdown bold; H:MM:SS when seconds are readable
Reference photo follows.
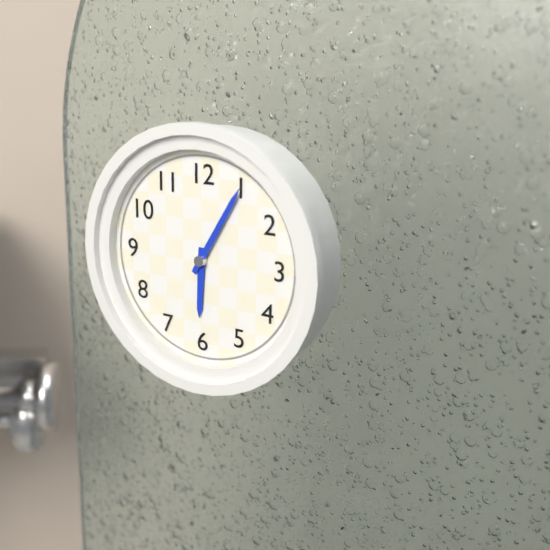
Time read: **6:05**
